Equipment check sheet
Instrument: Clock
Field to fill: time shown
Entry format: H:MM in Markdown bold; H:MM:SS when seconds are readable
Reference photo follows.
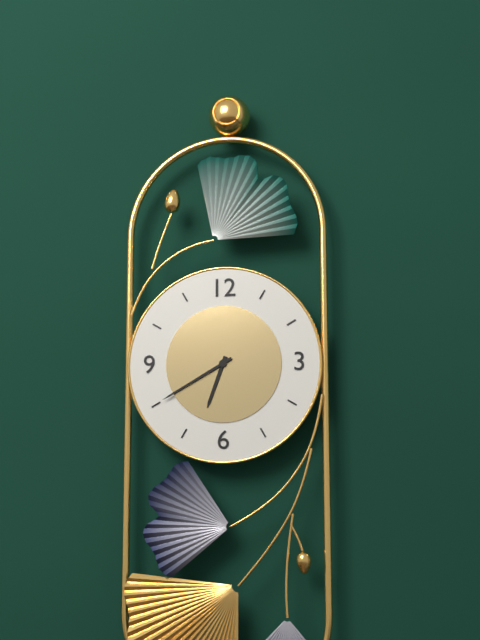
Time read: **6:40**
